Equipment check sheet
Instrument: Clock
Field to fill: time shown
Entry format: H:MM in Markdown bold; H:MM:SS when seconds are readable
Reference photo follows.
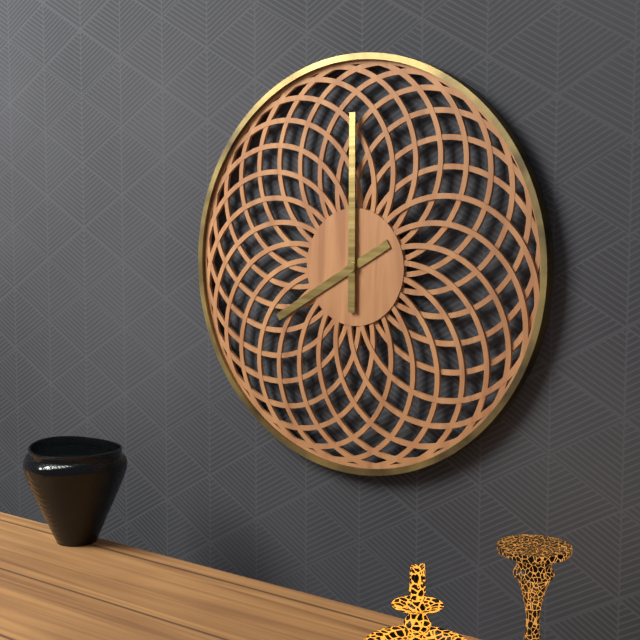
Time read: **8:00**
